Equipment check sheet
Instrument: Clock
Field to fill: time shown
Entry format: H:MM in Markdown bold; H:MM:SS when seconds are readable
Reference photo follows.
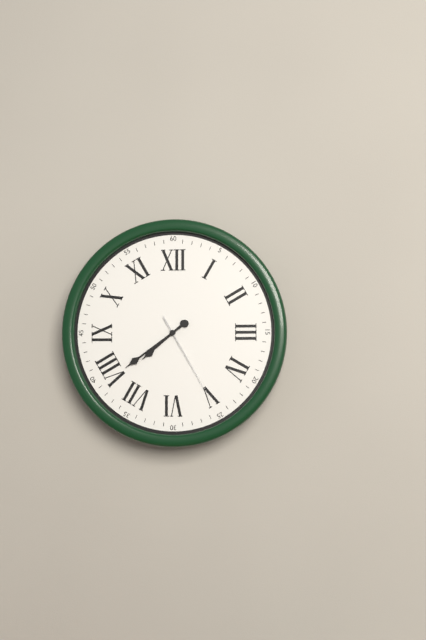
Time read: **7:39:25**
